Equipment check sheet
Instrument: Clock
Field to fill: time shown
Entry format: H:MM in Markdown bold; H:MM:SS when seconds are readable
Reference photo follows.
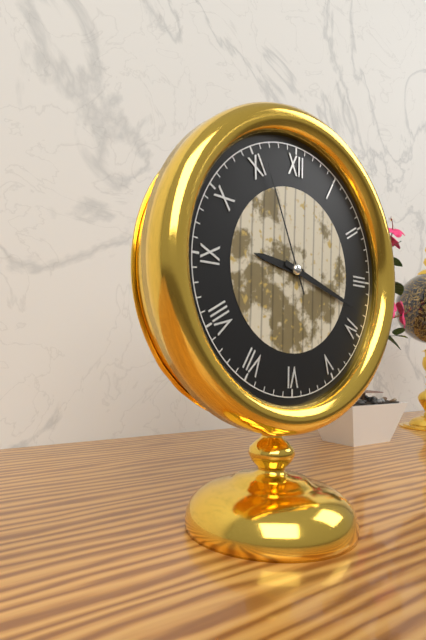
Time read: **9:18:56**
